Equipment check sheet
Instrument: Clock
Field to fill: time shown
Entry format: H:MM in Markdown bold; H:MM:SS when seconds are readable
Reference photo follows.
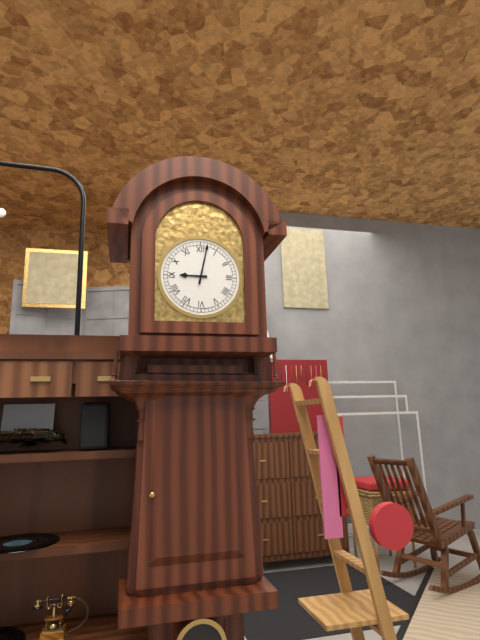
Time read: **9:02**
